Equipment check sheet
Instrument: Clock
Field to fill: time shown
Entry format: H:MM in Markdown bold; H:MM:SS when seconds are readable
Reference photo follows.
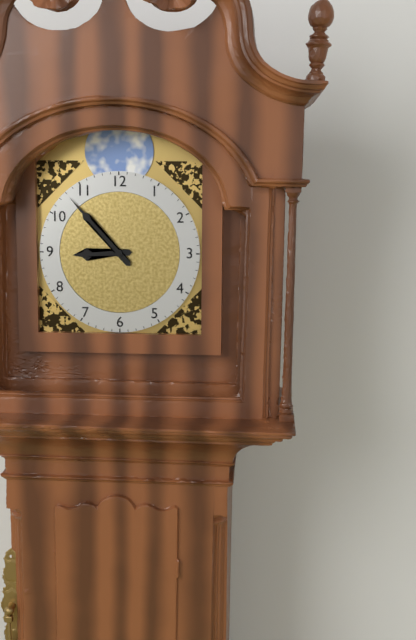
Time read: **8:53**
